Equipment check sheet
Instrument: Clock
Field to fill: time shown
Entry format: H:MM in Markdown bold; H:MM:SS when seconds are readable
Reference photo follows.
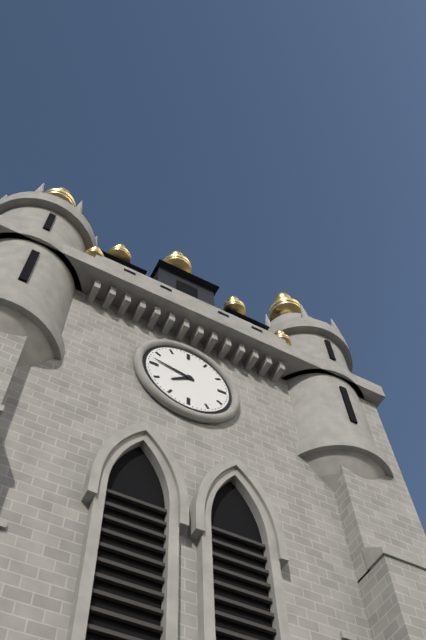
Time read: **7:47**
